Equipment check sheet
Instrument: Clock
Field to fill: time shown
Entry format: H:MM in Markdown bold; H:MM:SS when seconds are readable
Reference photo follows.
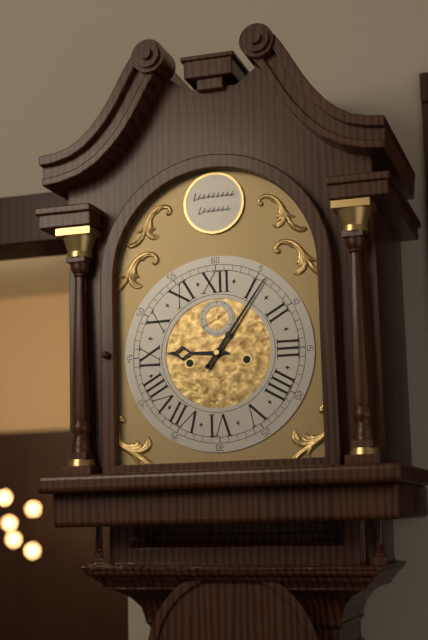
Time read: **9:06:40**
